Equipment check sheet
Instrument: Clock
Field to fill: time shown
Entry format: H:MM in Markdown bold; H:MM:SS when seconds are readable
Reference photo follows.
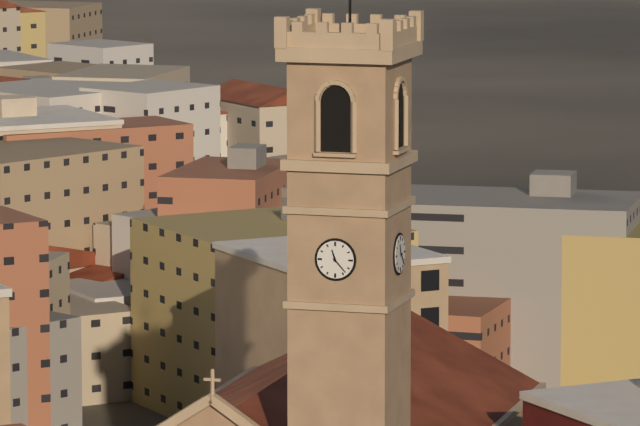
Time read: **11:23**
